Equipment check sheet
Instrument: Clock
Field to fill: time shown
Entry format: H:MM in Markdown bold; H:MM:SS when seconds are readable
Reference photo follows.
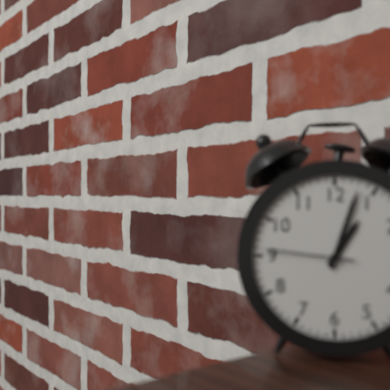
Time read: **1:03:46**
